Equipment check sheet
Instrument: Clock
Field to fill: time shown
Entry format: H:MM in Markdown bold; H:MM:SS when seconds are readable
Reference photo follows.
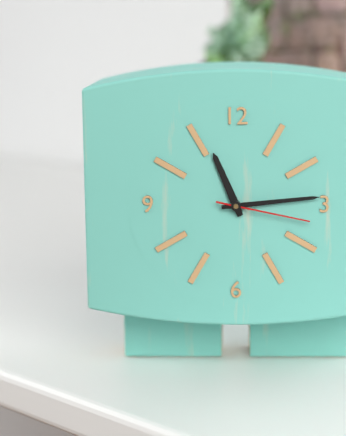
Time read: **11:14:17**
